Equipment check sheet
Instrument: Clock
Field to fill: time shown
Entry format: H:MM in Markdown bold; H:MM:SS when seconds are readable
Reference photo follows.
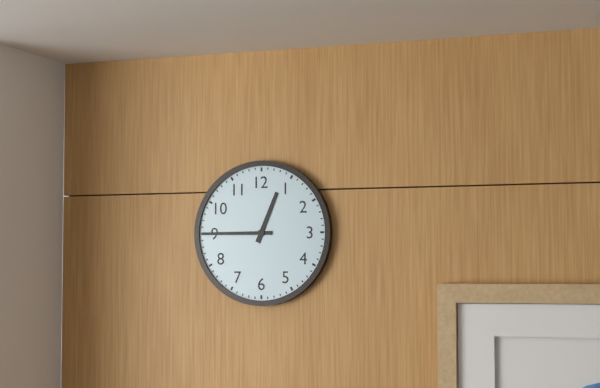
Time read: **12:45**
